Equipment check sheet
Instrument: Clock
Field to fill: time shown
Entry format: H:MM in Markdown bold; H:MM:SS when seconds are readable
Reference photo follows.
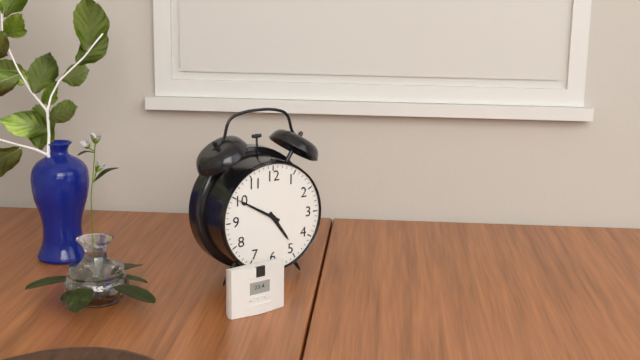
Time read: **4:50**
